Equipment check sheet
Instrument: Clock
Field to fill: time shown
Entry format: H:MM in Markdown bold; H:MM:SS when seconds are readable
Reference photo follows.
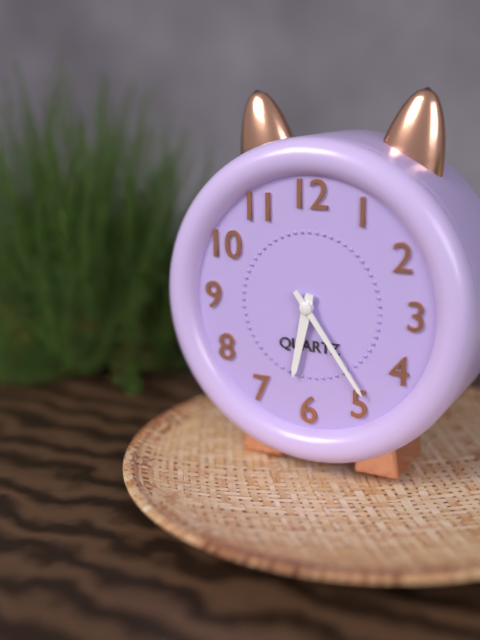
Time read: **6:24**
